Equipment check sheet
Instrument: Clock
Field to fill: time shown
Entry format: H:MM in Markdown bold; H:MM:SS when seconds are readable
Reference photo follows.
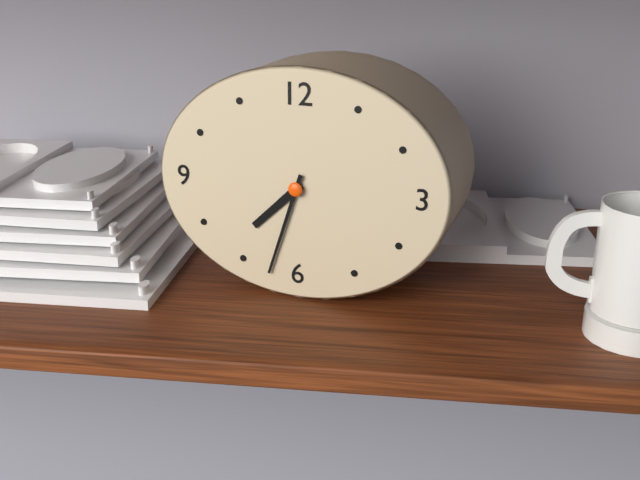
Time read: **7:33**
